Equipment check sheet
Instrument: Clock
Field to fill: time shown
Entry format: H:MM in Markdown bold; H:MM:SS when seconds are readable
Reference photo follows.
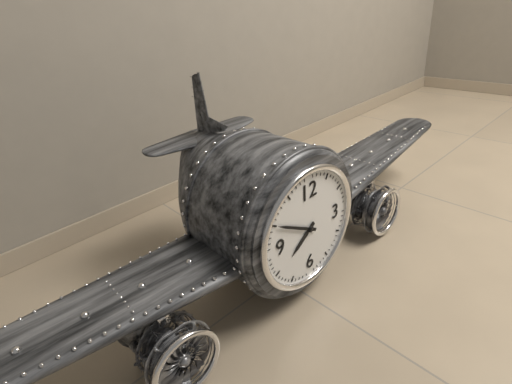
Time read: **7:50**
